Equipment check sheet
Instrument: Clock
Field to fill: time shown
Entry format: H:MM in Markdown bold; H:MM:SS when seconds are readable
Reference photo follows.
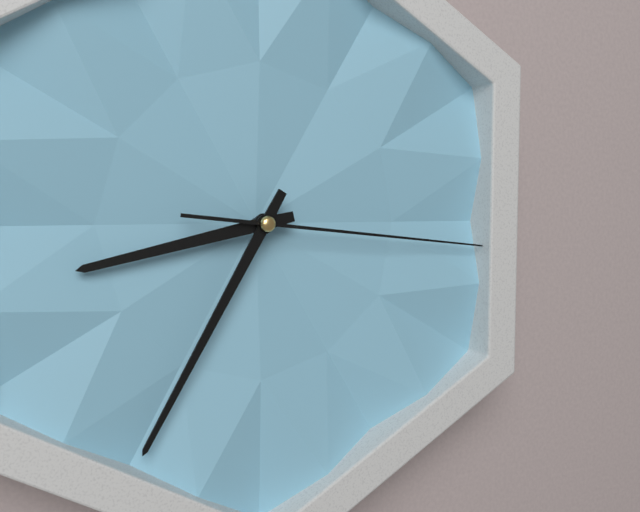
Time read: **8:35:16**
